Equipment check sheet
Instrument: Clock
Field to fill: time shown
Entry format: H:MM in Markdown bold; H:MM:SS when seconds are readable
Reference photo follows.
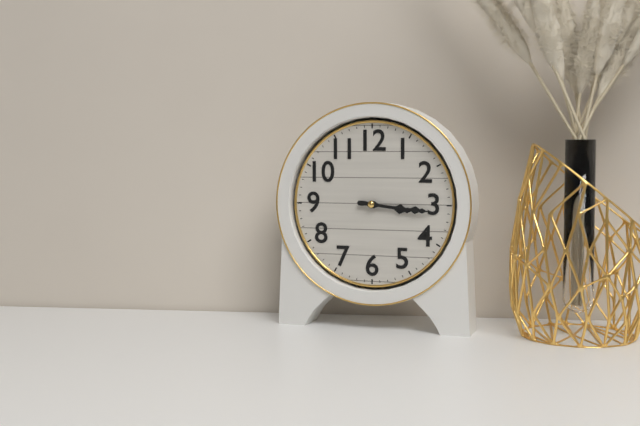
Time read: **3:16**
